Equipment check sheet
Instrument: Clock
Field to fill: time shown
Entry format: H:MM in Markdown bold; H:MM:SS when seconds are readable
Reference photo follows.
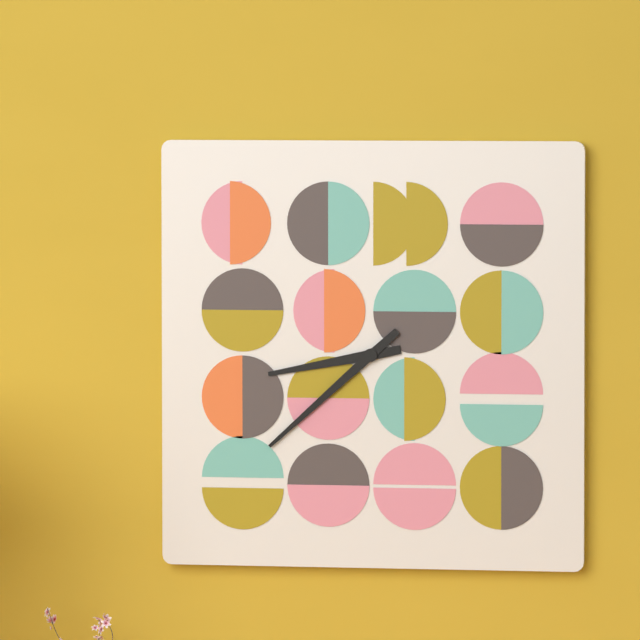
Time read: **8:38**
